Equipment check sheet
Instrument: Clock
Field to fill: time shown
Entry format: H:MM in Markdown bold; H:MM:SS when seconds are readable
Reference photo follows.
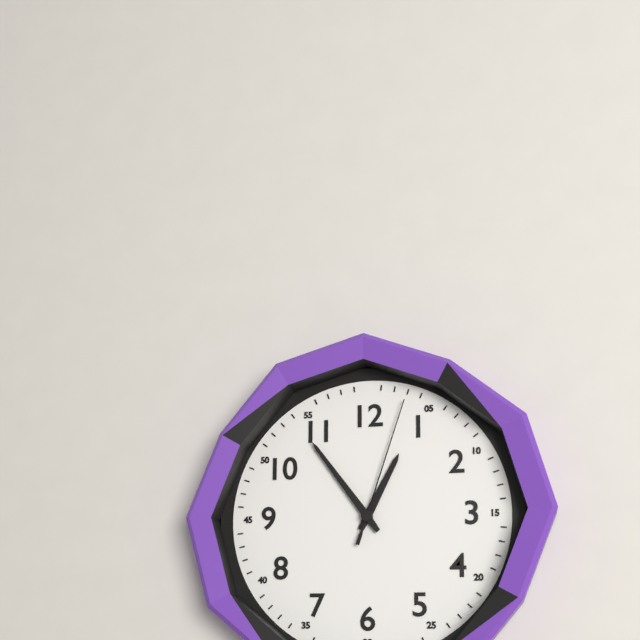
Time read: **12:54:03**
